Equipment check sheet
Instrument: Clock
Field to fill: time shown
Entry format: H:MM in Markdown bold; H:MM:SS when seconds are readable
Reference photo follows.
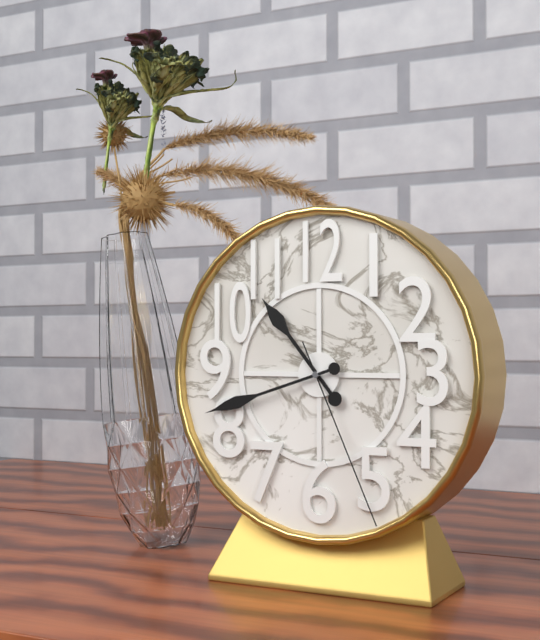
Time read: **10:42:26**
